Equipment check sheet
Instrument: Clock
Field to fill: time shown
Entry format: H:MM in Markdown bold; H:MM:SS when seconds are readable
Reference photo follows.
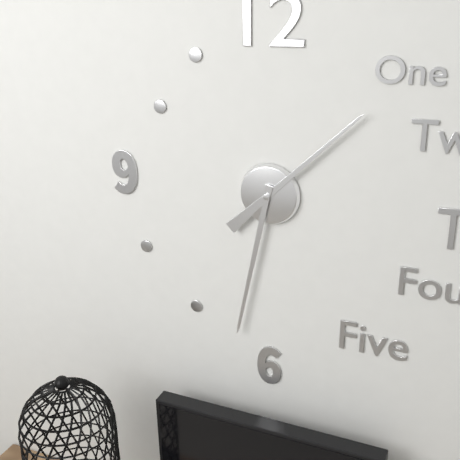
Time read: **1:32**
